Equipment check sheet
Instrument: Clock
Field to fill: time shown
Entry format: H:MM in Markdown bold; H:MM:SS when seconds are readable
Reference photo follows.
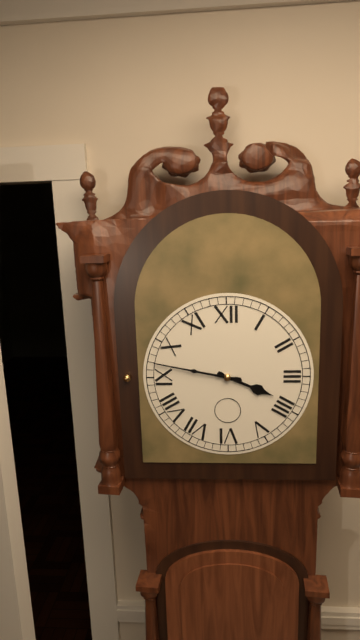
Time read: **3:47**
